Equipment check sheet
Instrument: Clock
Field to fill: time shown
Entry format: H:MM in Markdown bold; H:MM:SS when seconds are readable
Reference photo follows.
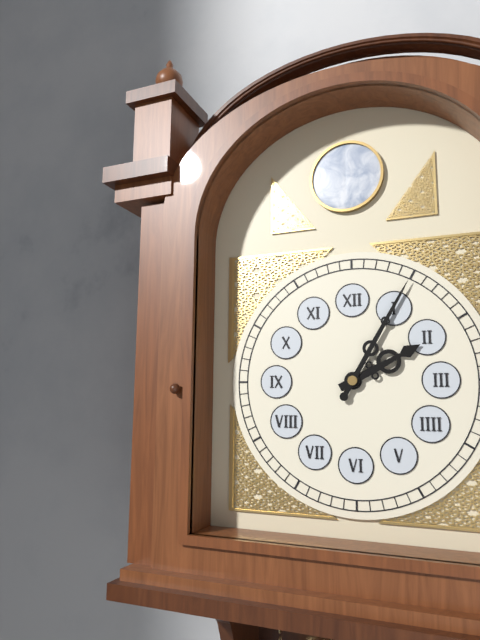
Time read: **2:05**
